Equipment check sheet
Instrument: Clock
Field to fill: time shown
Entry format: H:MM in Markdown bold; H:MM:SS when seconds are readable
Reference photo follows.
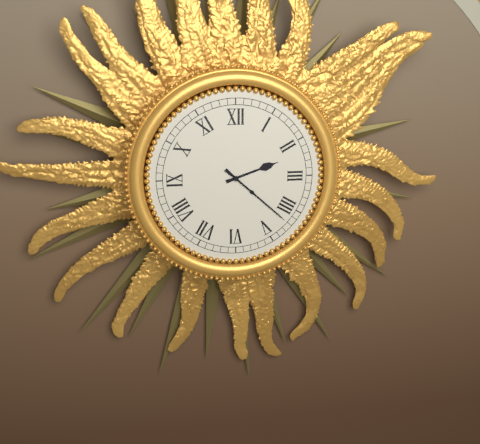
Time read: **2:22**
